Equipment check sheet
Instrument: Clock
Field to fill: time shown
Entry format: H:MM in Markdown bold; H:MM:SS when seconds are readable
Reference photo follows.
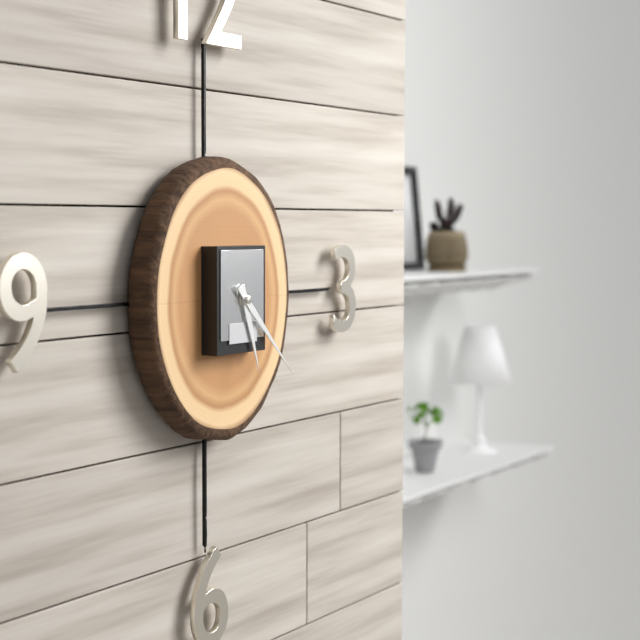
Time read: **5:22**
